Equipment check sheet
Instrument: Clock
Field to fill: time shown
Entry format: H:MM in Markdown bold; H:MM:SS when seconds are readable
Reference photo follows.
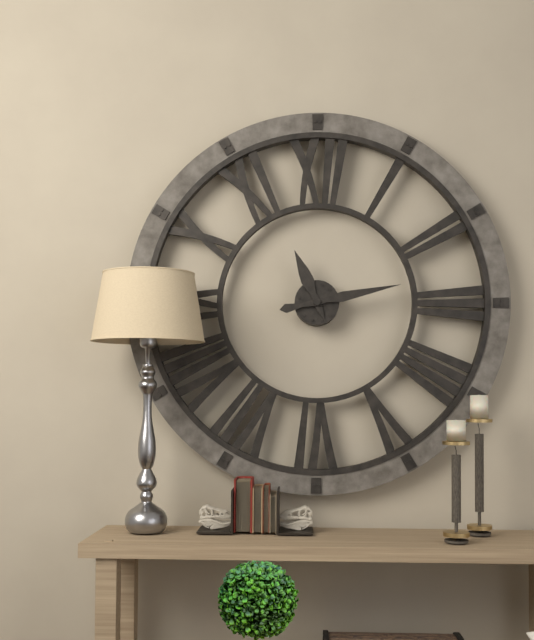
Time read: **11:13**
